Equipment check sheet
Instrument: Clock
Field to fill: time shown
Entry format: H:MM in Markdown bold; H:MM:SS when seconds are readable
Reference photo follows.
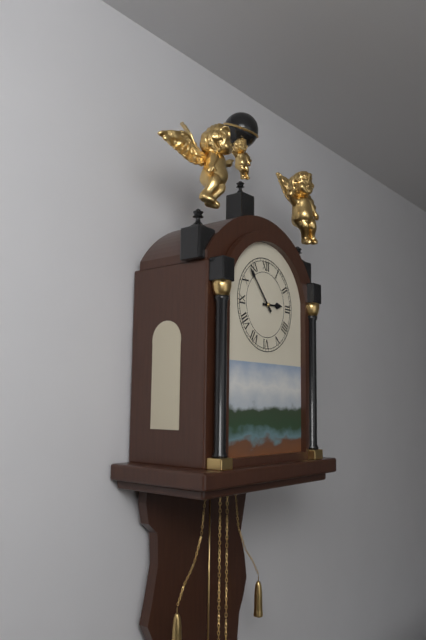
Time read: **2:53**
